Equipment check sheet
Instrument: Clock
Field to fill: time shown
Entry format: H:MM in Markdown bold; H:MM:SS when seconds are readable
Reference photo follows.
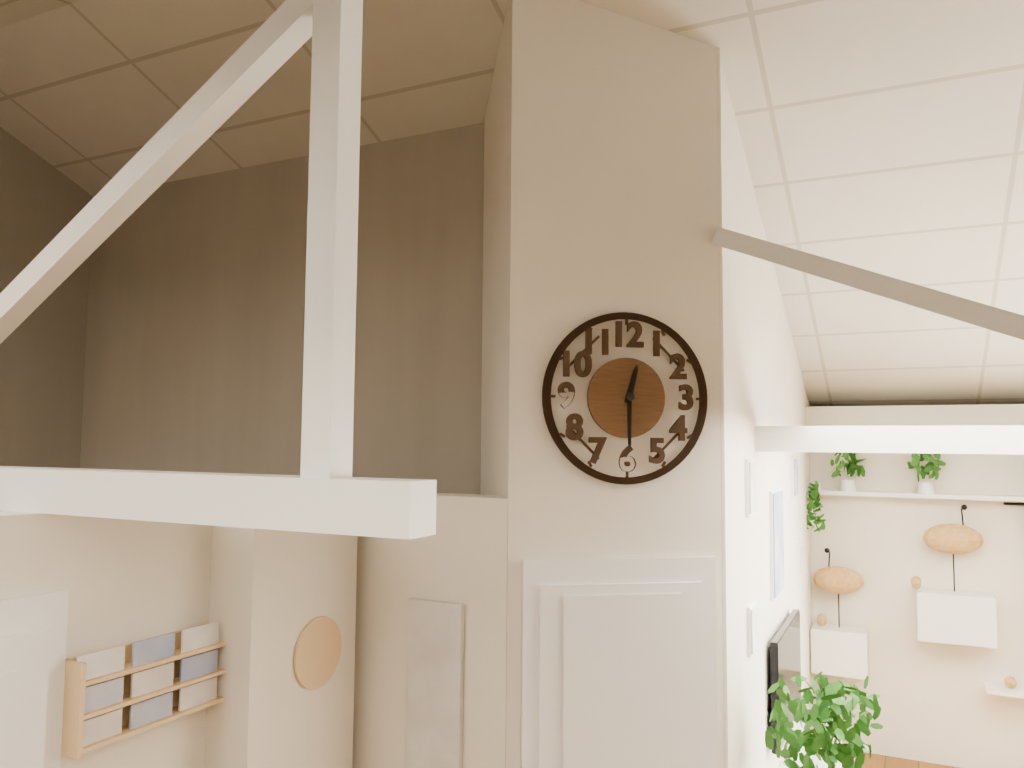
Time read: **12:30**
